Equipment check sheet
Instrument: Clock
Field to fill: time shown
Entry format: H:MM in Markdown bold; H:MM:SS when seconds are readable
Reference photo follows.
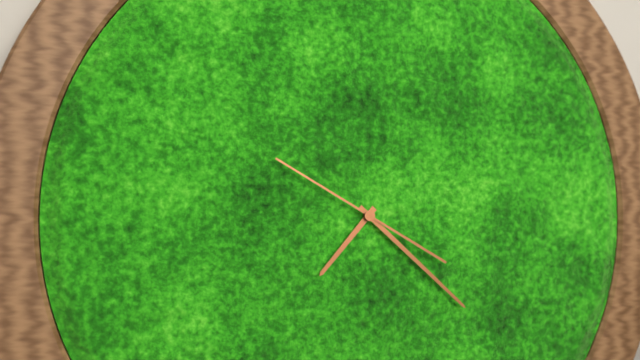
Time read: **7:22:50**
